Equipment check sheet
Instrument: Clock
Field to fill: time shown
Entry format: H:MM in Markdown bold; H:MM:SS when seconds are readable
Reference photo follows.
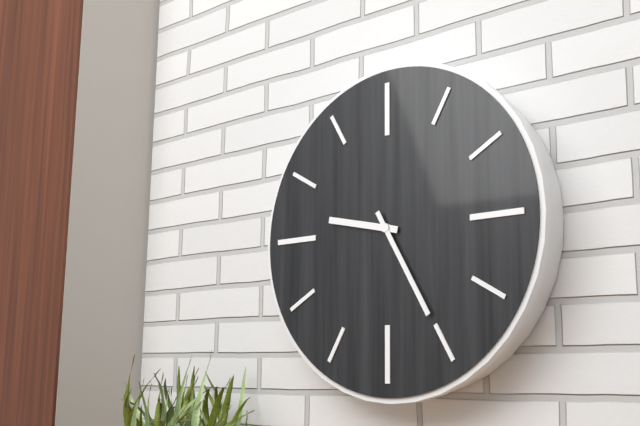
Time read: **9:25**
